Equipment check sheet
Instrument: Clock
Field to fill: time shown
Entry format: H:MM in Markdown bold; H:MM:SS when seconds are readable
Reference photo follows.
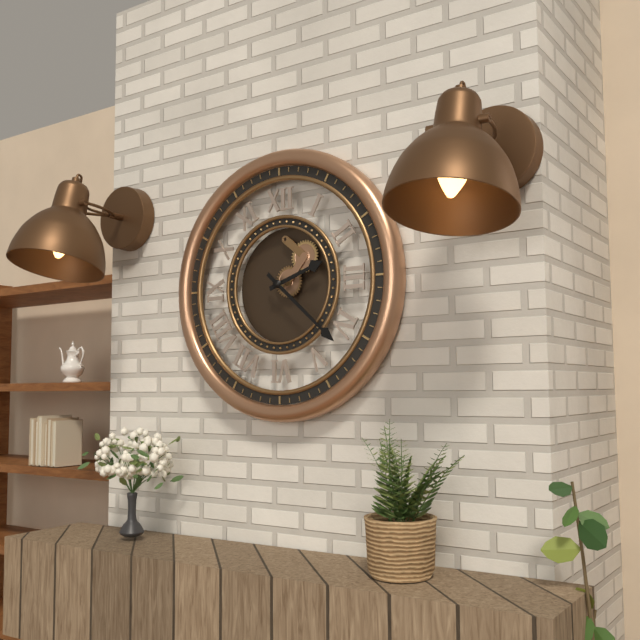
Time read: **2:22**
